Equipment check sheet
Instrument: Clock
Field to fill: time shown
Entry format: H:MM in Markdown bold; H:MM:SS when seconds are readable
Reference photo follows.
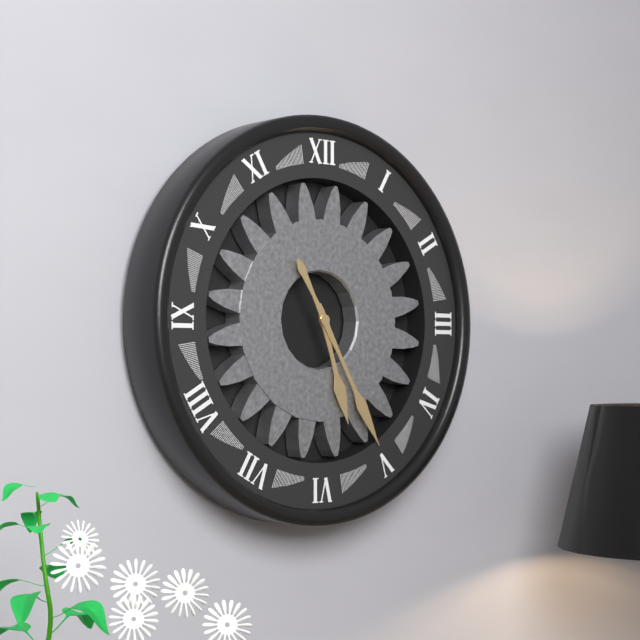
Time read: **5:25**
